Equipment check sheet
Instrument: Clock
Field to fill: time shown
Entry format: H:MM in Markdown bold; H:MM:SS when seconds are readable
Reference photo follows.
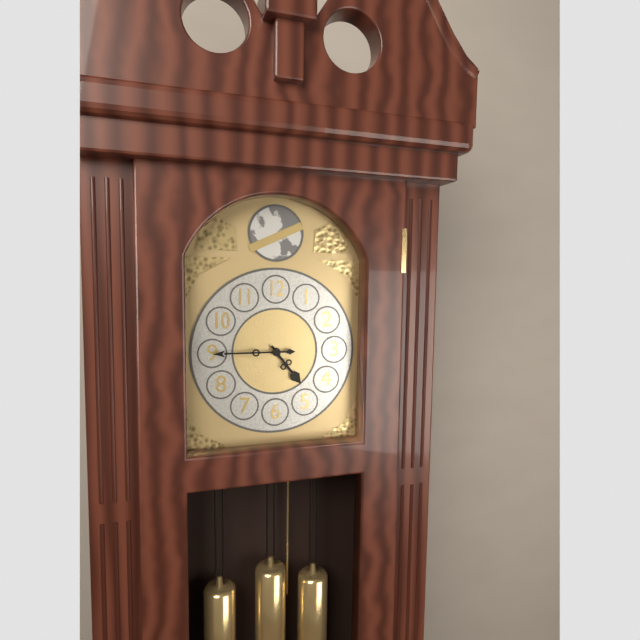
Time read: **4:45**
